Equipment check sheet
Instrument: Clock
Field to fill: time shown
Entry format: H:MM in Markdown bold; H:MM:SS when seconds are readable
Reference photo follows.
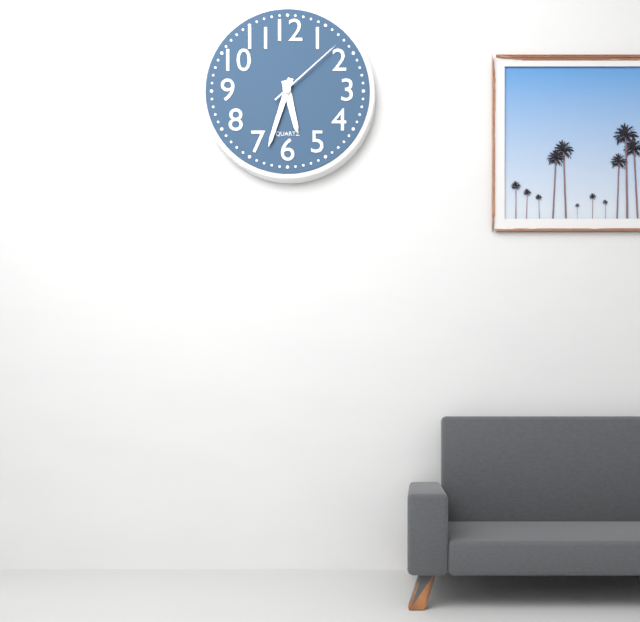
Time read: **5:33:08**
